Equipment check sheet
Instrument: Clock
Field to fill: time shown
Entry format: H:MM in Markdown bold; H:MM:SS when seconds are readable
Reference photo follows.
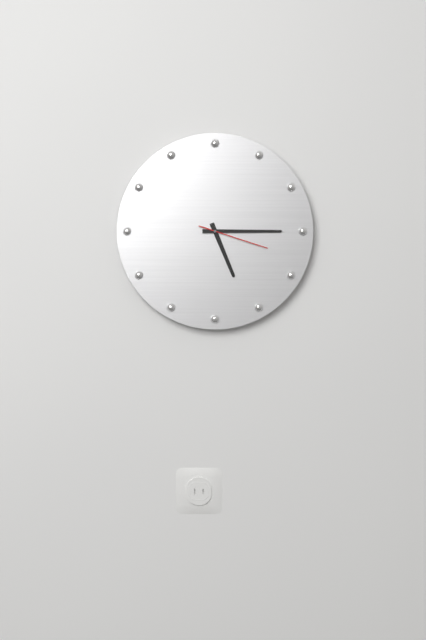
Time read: **5:15:18**
